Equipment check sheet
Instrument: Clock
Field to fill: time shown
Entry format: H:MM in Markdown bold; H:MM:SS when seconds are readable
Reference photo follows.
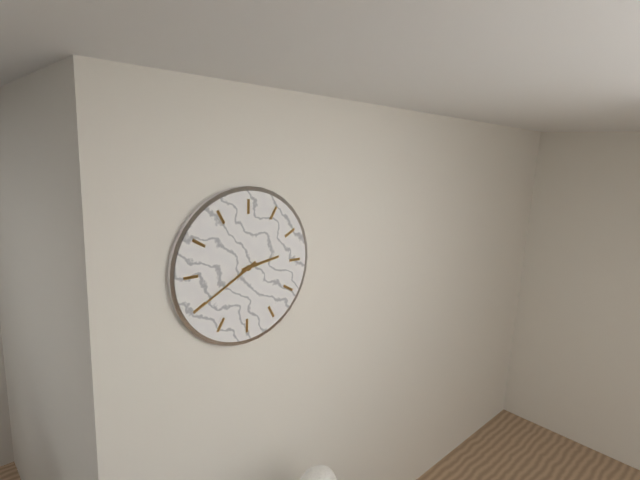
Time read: **2:40**
